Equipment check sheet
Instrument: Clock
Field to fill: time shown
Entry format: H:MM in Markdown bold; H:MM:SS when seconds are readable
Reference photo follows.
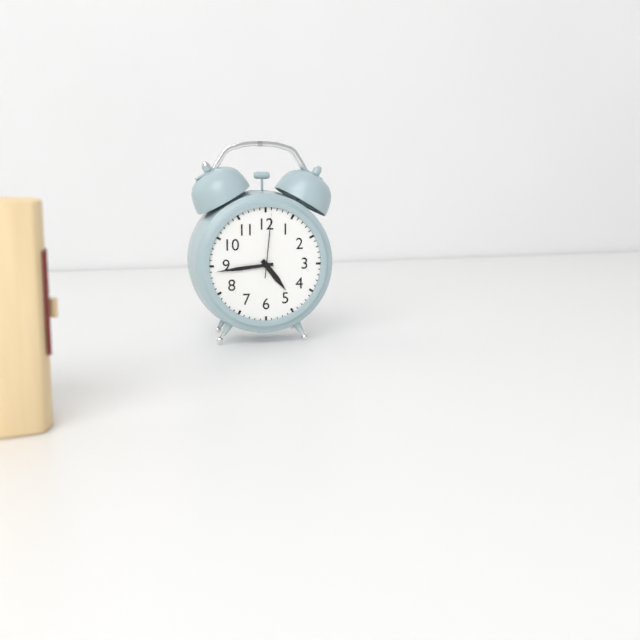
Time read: **4:44:01**
